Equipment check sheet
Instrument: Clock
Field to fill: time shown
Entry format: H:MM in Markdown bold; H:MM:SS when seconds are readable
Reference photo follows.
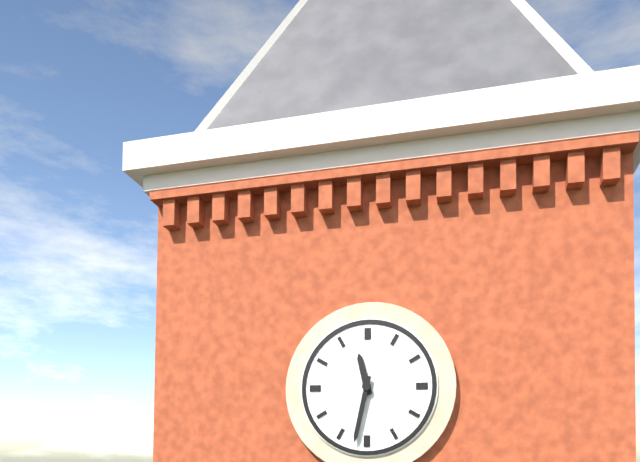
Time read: **11:32**
